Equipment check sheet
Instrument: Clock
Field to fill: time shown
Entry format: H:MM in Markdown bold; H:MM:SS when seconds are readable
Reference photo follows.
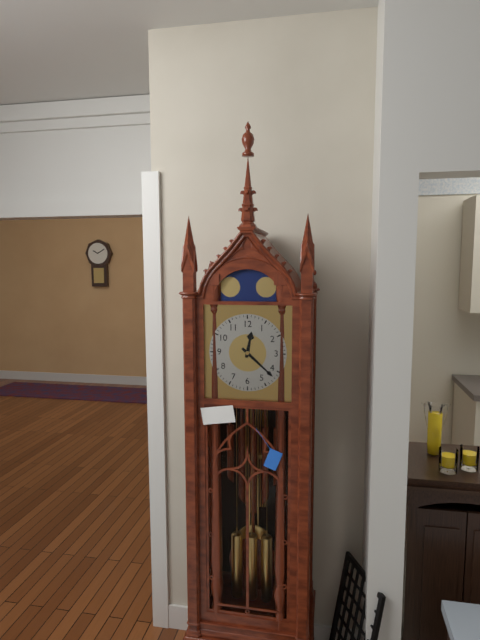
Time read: **12:22**
